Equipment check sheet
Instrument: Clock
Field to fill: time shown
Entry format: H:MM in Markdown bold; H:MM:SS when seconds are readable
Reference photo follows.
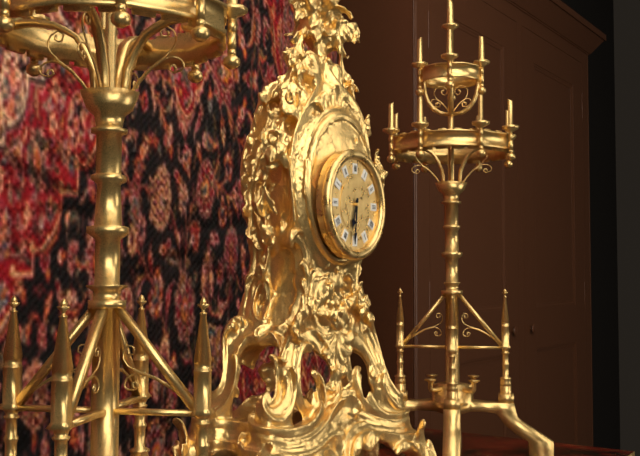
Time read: **6:31**
